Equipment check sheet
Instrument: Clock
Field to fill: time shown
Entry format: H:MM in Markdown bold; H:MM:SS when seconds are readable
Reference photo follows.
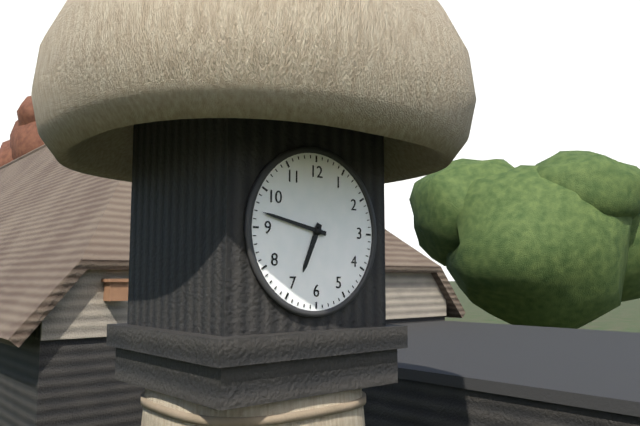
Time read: **6:47**
